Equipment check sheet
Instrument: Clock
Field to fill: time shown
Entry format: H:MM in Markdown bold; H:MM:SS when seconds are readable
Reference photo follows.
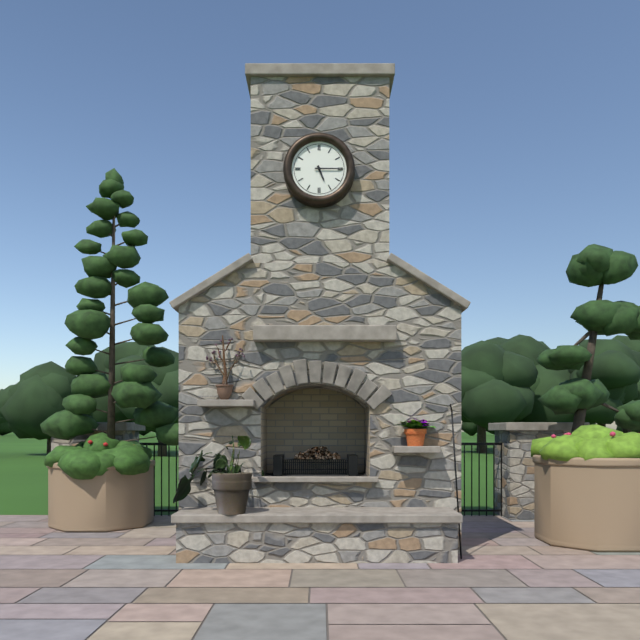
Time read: **5:15**
